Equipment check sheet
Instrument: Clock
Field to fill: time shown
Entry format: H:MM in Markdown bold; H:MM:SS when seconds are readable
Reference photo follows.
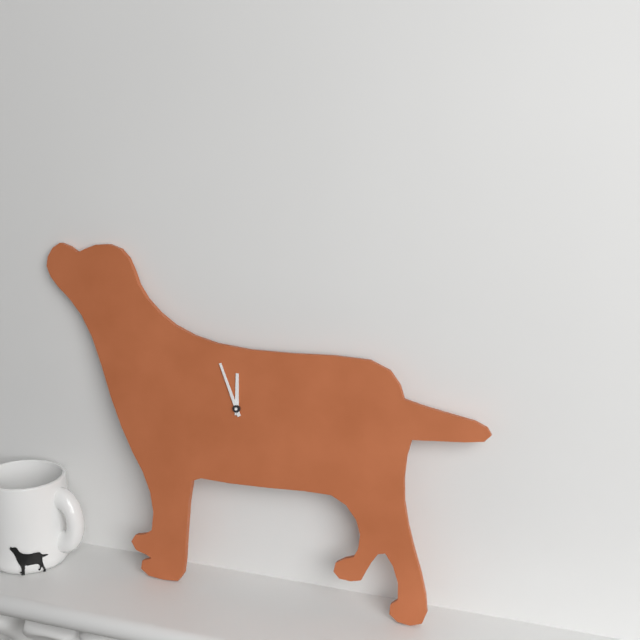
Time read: **11:56**
